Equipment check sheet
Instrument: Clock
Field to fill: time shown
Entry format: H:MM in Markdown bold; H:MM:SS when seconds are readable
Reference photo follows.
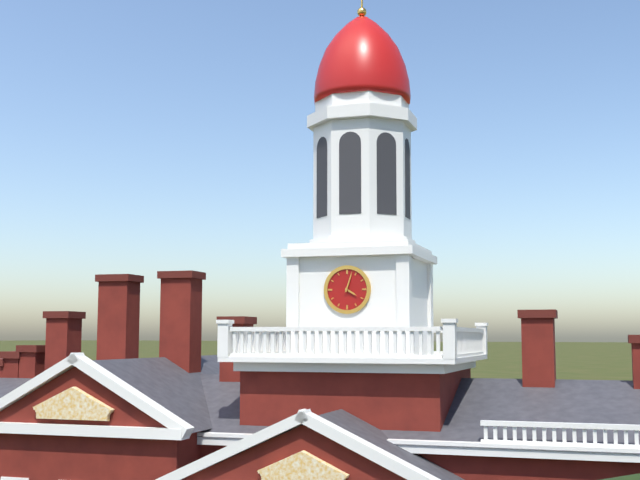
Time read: **4:03**
